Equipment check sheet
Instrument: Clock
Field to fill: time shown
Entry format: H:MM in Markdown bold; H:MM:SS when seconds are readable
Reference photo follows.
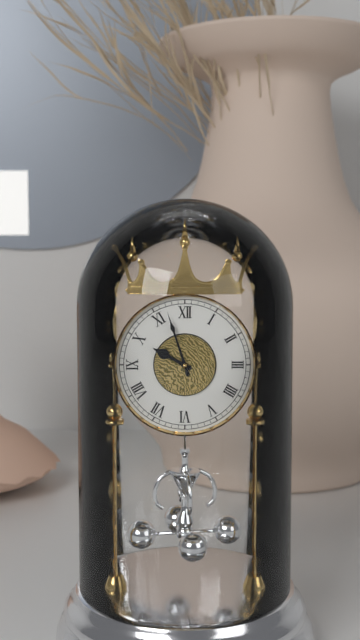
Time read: **9:57**
